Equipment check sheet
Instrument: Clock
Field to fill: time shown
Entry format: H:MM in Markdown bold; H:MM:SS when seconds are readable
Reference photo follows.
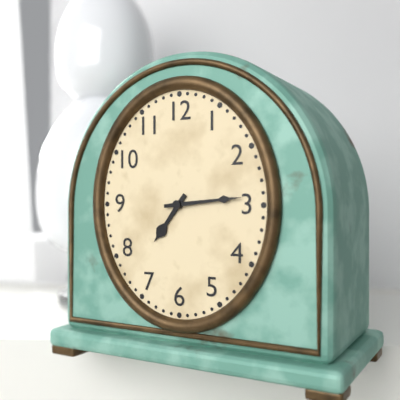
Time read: **7:14**
